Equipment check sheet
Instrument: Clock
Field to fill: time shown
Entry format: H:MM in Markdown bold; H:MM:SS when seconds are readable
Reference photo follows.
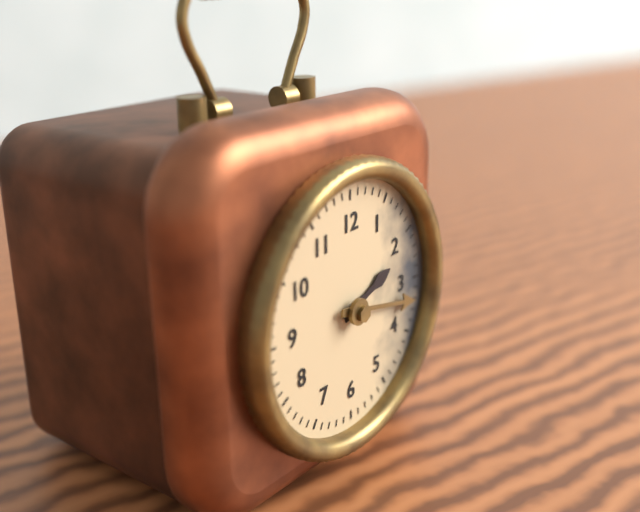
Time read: **2:17**
